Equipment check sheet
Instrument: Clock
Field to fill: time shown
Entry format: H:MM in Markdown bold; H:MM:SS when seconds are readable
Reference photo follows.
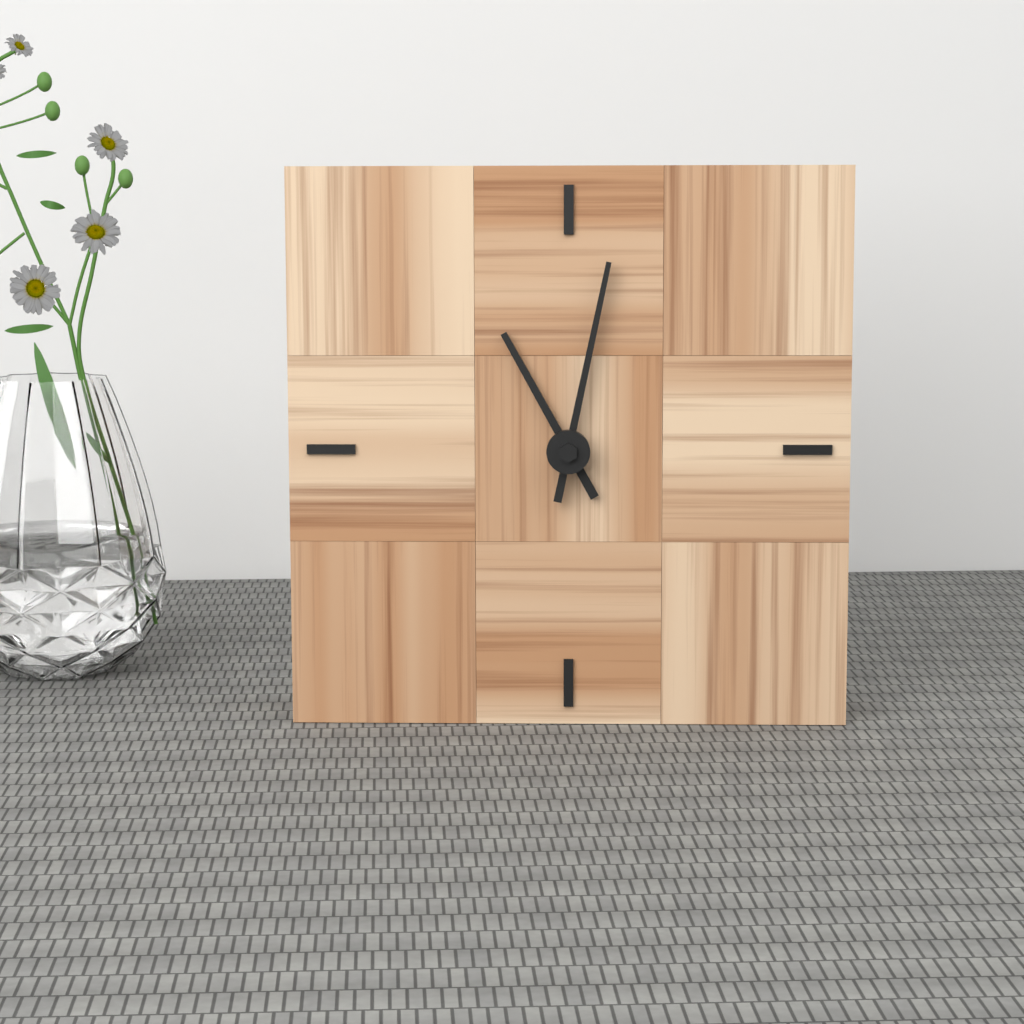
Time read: **11:02**
